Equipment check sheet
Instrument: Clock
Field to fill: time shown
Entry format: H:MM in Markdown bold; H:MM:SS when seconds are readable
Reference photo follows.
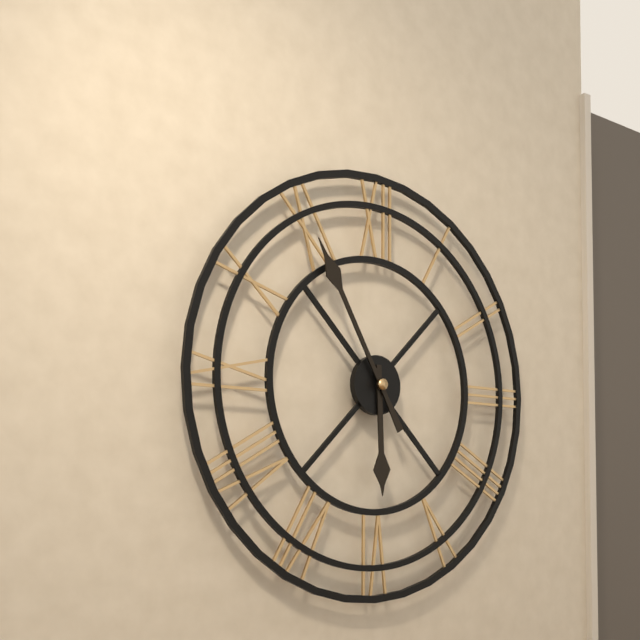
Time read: **5:55**
